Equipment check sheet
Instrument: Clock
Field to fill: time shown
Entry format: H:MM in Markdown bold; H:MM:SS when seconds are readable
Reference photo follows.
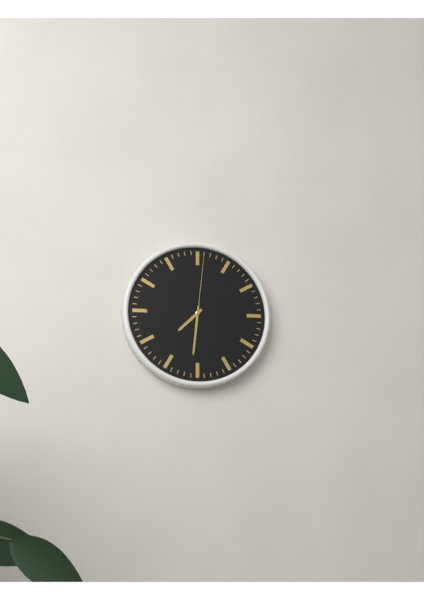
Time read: **7:31:01**
